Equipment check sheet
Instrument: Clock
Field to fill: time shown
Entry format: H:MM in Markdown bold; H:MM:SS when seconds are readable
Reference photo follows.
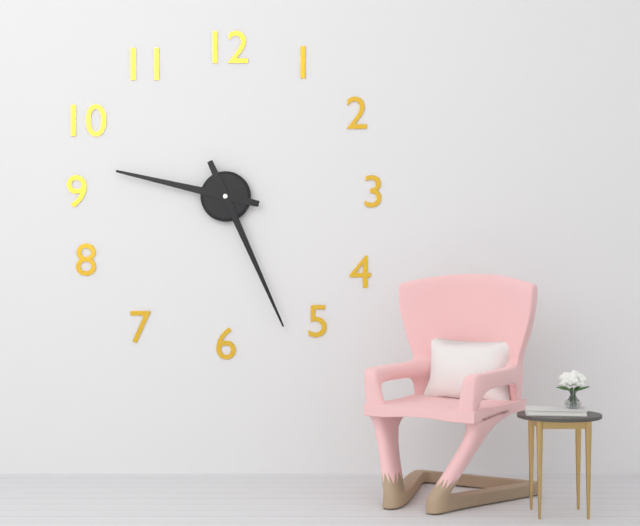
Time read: **9:26**
